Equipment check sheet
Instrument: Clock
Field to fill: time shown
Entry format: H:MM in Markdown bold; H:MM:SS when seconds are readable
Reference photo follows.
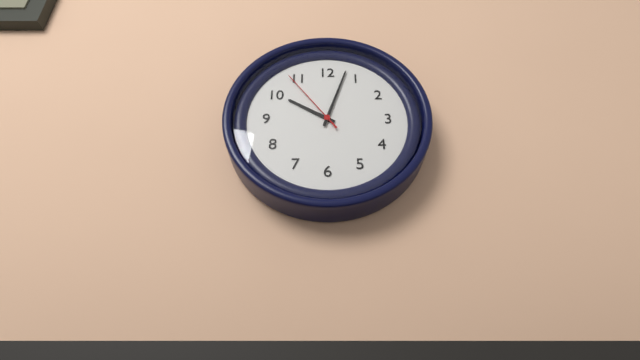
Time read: **10:03:54**
